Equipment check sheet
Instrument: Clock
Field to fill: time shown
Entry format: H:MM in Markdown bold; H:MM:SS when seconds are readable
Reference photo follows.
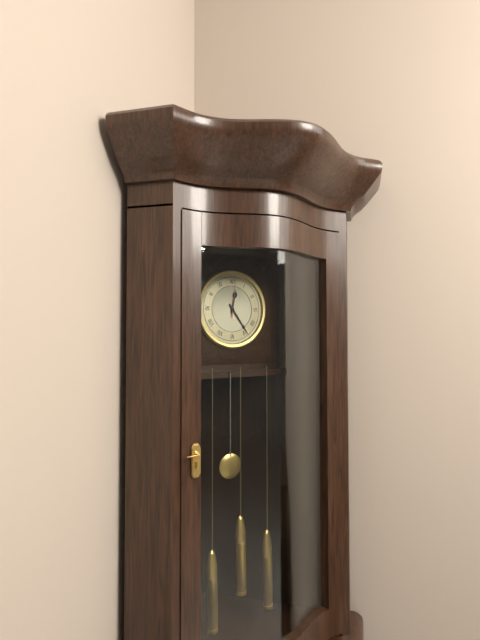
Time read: **12:24**
